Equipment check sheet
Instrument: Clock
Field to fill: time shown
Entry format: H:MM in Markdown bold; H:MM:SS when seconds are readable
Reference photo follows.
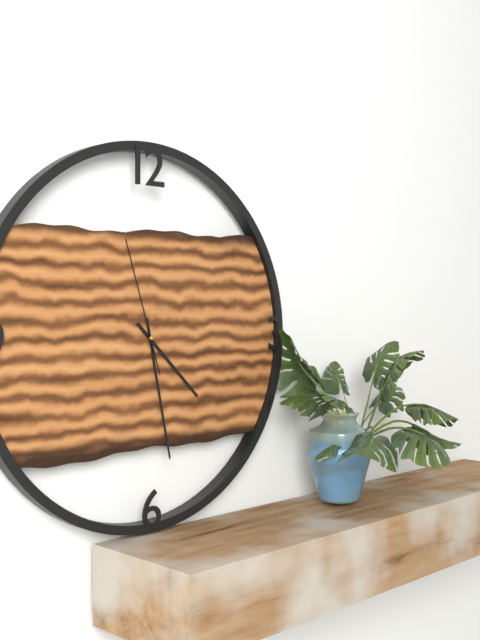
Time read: **4:28:57**
